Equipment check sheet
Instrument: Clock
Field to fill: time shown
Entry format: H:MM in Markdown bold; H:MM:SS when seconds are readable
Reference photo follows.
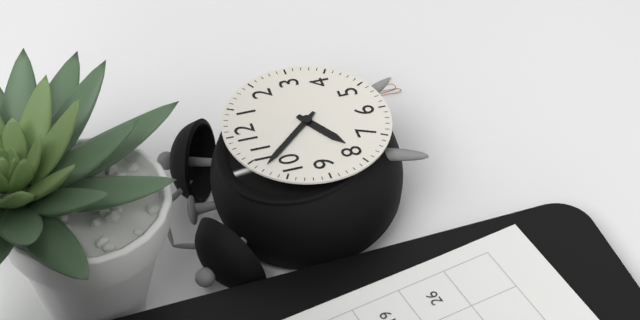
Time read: **7:53**
